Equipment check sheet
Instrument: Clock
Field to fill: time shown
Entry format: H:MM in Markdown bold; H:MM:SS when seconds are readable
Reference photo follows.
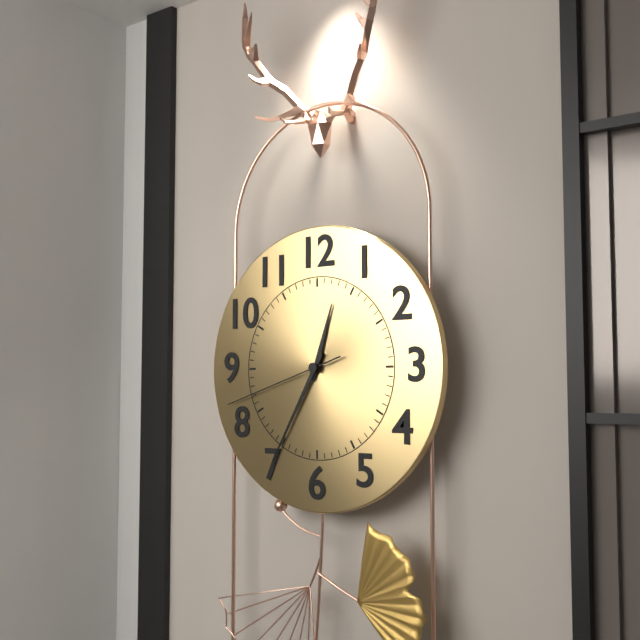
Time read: **12:35:42**
